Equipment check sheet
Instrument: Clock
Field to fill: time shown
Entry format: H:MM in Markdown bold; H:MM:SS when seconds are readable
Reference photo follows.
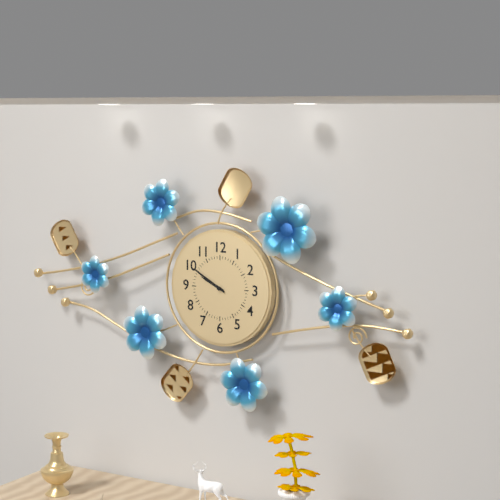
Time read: **9:50**
